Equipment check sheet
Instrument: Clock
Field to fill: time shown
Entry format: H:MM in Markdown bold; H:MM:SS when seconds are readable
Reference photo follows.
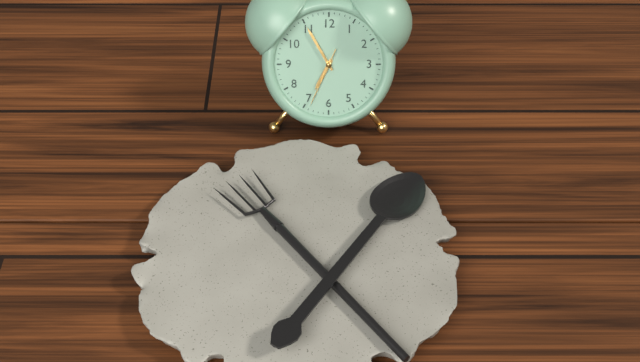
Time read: **6:55:34**
